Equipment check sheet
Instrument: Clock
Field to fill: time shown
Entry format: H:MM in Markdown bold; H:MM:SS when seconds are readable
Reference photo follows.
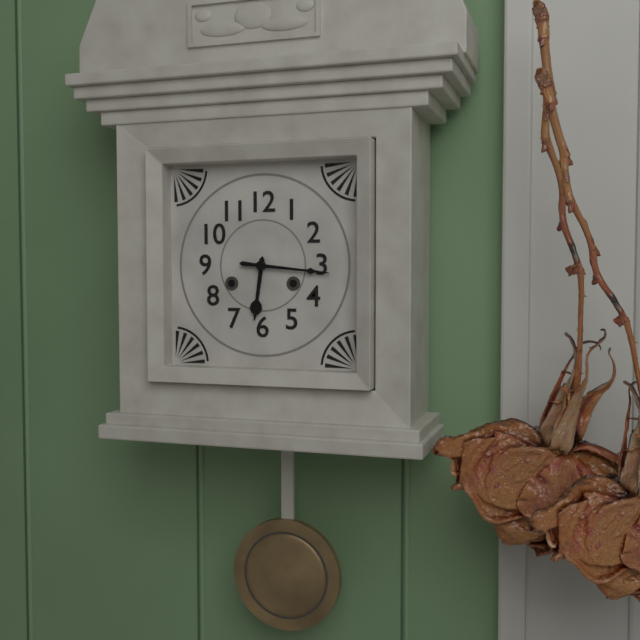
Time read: **6:16**
